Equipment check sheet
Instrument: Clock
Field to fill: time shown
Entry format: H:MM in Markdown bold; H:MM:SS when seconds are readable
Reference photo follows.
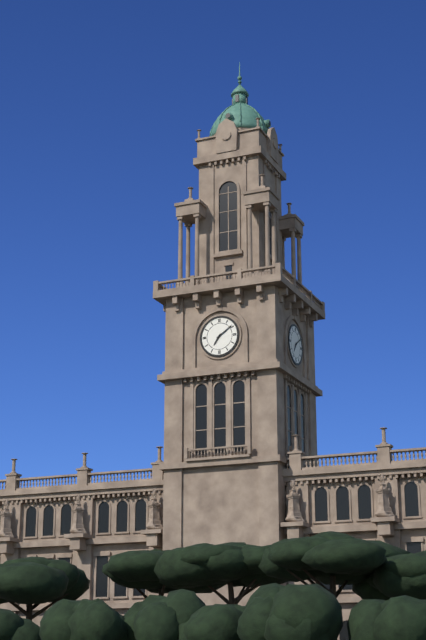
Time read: **7:09**
